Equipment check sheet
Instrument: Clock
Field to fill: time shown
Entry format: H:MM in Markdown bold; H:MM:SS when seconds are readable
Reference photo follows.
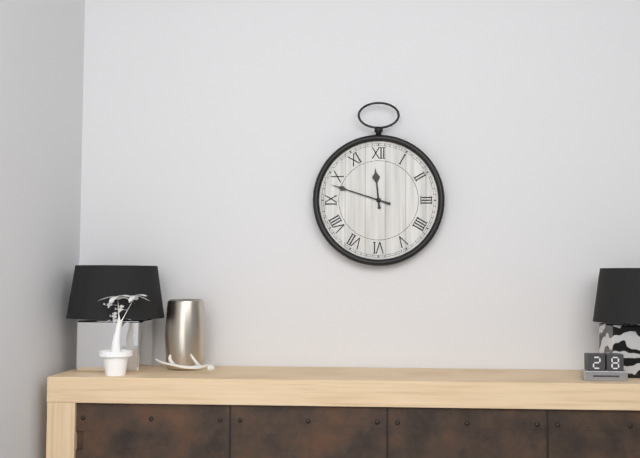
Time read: **11:48**
